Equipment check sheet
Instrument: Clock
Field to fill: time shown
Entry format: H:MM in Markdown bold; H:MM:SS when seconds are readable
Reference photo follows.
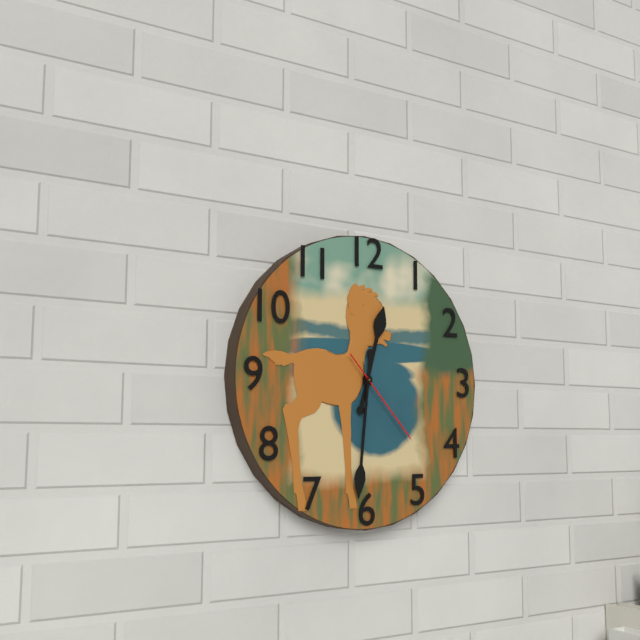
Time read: **12:31:23**
